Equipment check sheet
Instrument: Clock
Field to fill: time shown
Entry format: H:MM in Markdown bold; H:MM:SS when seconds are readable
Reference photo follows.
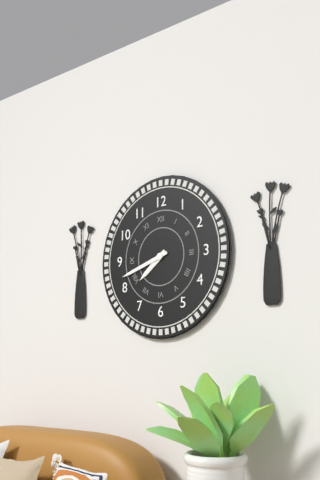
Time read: **7:42**
